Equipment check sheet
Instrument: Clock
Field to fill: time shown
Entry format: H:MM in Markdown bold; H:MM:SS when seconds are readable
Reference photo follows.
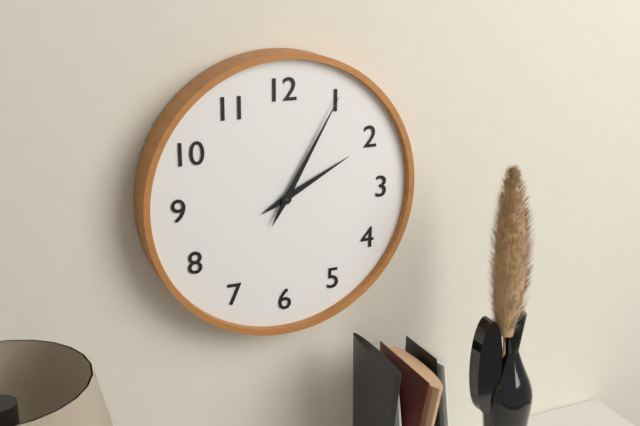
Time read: **2:05**
